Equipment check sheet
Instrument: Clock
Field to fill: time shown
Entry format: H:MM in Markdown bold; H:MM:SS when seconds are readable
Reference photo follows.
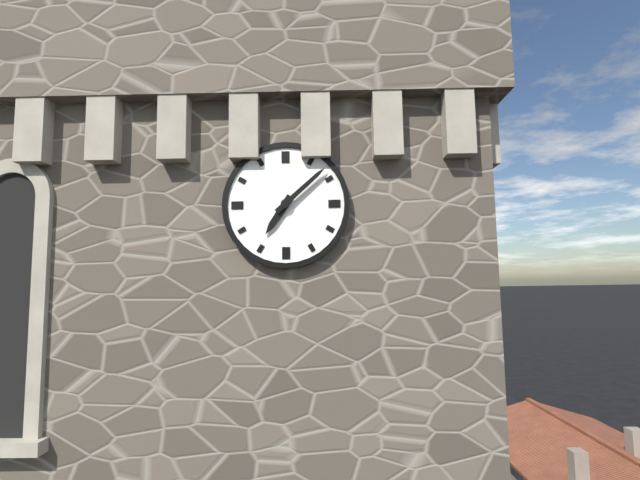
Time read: **7:08**
